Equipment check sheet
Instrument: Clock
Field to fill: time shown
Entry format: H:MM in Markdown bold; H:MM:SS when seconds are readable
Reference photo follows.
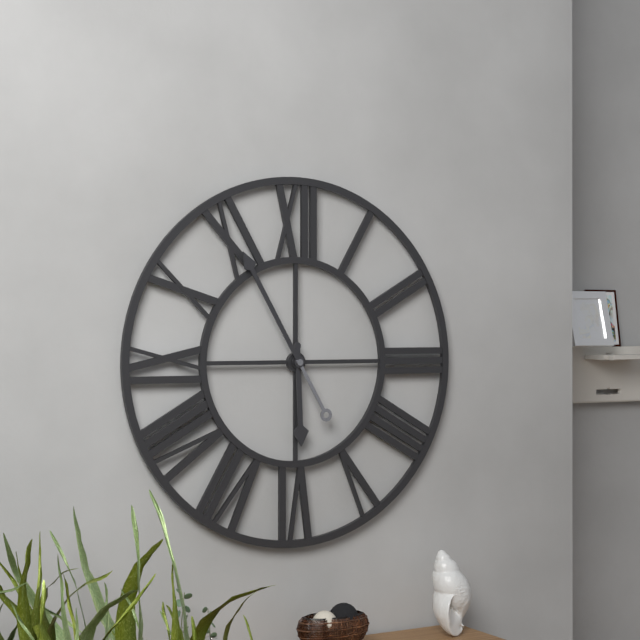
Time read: **5:55**
